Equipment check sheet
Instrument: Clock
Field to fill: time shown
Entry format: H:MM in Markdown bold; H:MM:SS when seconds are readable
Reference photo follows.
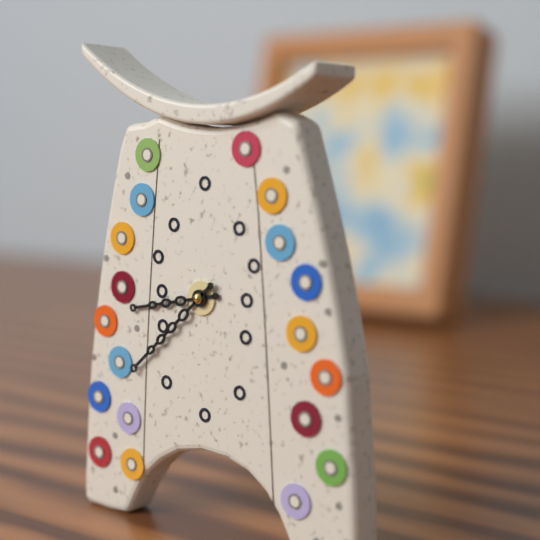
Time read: **8:38**
